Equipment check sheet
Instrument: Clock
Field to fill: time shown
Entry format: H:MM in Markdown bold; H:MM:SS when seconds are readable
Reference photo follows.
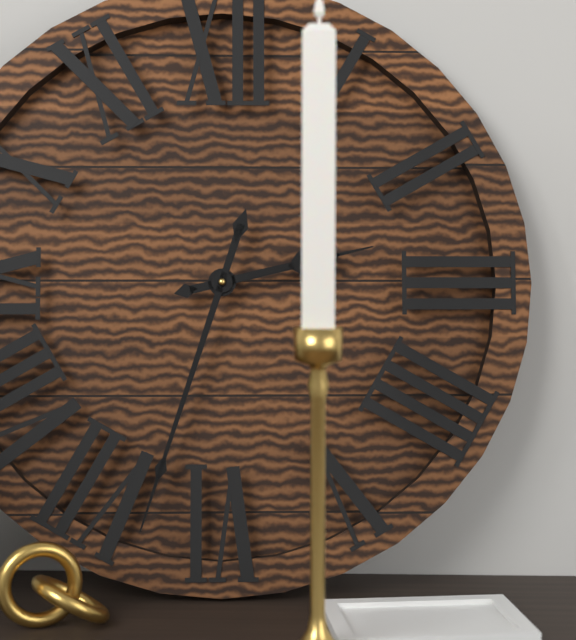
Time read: **2:33**
